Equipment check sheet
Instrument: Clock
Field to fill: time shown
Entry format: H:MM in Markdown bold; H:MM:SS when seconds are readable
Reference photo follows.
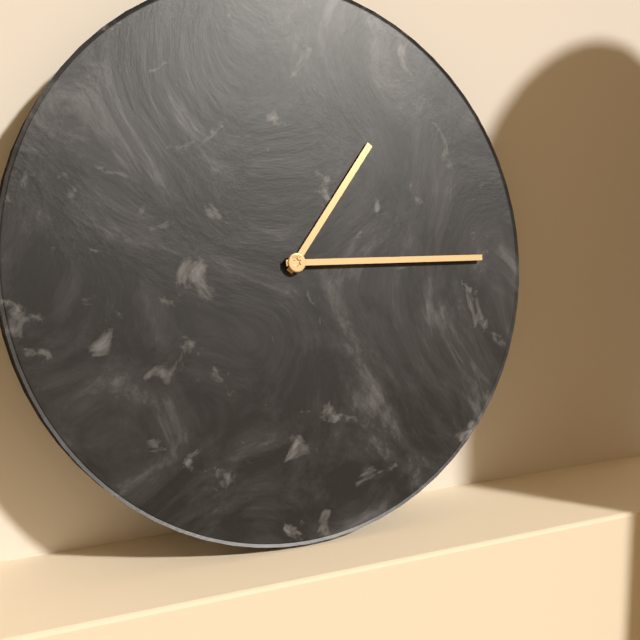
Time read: **1:15**
